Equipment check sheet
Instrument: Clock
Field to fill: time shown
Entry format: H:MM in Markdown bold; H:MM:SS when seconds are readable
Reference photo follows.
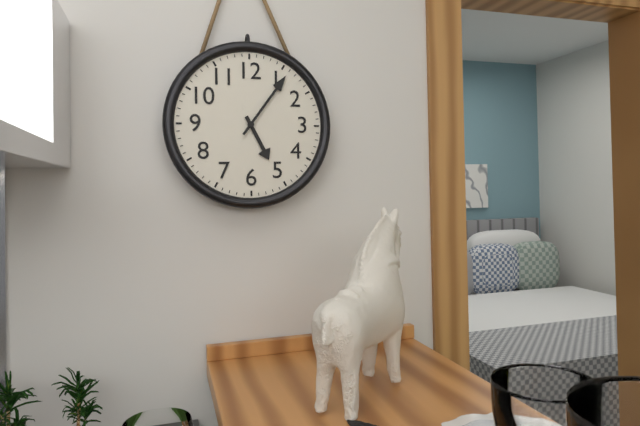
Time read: **5:06**
